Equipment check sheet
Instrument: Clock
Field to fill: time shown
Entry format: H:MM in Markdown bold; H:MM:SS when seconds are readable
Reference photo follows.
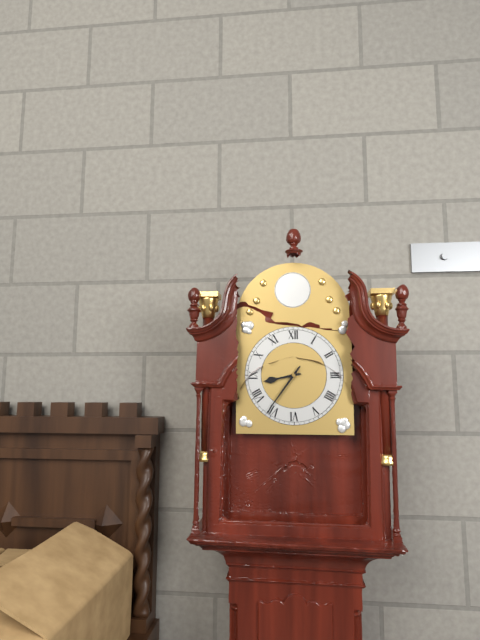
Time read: **8:36**
